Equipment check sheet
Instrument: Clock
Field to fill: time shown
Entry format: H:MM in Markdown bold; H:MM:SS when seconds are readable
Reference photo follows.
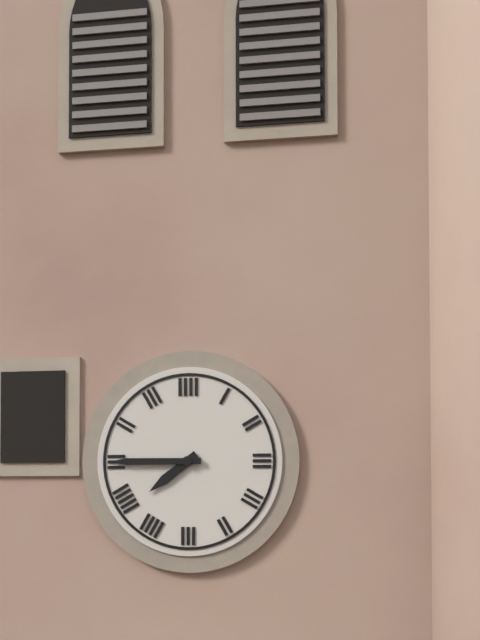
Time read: **7:45**
